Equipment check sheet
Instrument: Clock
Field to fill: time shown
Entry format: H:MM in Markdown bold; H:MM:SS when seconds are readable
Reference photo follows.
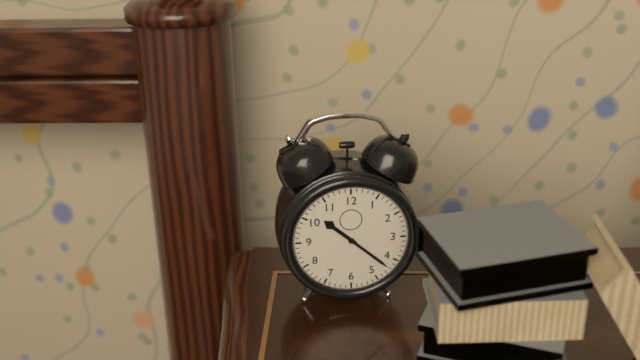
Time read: **10:22**
